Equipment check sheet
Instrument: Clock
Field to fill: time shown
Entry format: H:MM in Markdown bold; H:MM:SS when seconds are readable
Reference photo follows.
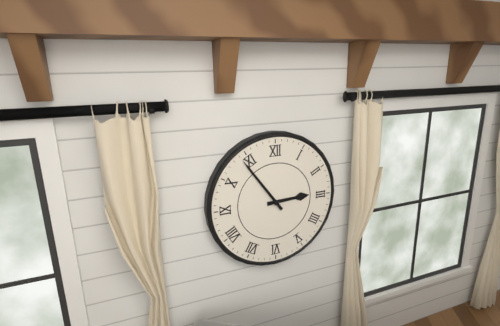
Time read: **2:54**
